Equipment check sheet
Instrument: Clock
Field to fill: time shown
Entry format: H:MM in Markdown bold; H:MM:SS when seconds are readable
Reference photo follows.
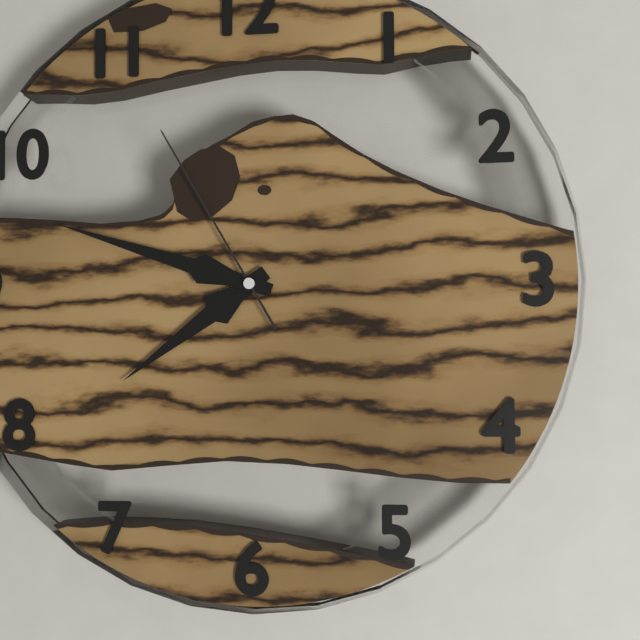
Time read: **7:48:55**
